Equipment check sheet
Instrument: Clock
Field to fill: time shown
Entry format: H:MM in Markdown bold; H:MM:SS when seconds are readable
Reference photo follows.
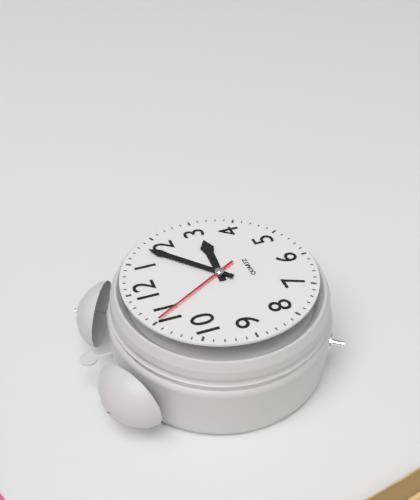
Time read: **3:08:55**
